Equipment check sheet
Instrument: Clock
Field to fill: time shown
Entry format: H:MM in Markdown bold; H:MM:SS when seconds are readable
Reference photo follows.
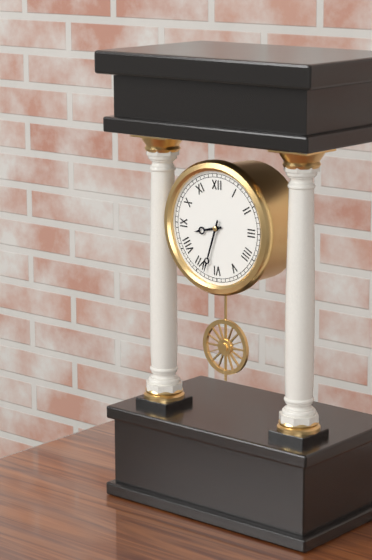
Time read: **8:33**
